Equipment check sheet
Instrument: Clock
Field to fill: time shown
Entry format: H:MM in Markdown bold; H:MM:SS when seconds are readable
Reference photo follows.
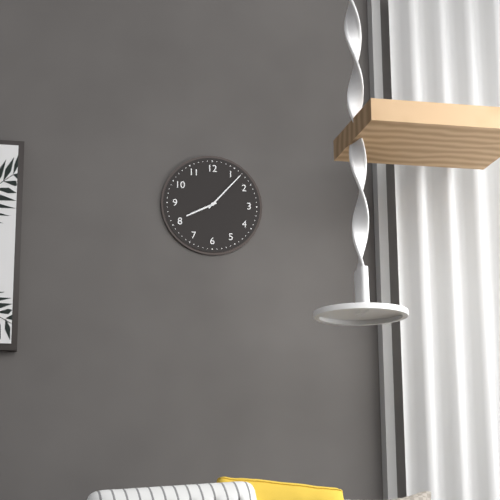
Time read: **8:07**
